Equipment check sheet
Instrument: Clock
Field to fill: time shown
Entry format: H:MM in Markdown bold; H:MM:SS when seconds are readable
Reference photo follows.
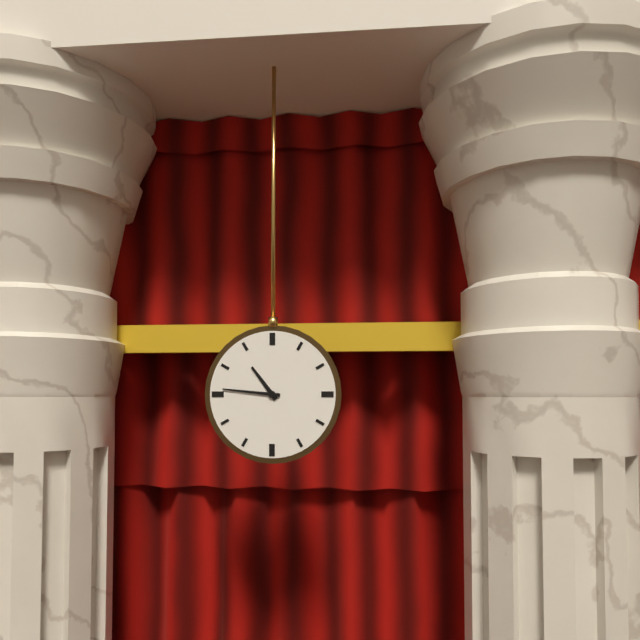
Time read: **10:46**
